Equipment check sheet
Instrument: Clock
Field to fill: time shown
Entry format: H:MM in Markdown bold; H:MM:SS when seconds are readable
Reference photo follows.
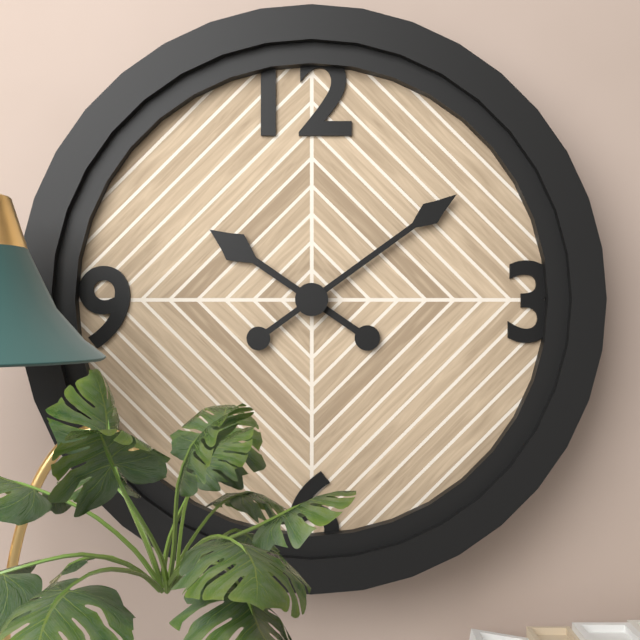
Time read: **10:09**
